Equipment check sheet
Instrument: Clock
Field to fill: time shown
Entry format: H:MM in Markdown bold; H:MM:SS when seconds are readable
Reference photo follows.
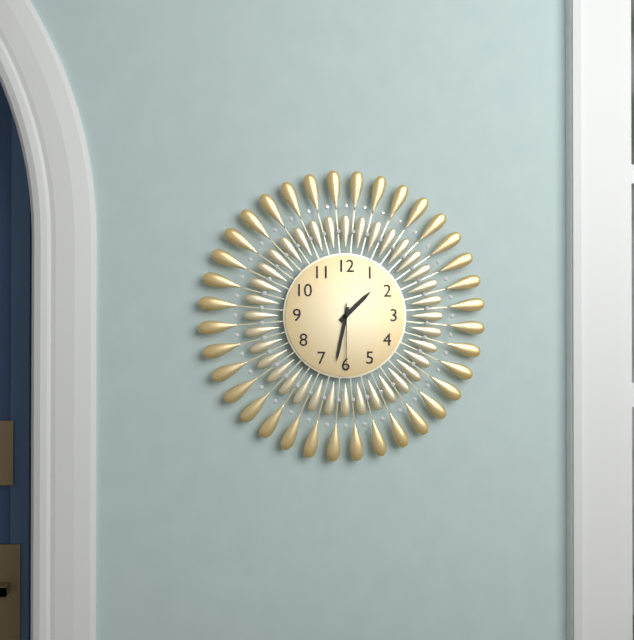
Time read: **1:32:30**
